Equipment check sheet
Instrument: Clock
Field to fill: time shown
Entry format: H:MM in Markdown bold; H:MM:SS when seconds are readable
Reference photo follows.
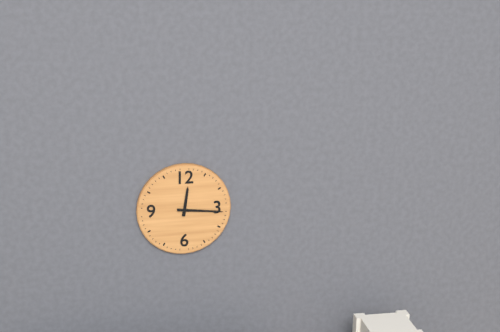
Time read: **12:16**
